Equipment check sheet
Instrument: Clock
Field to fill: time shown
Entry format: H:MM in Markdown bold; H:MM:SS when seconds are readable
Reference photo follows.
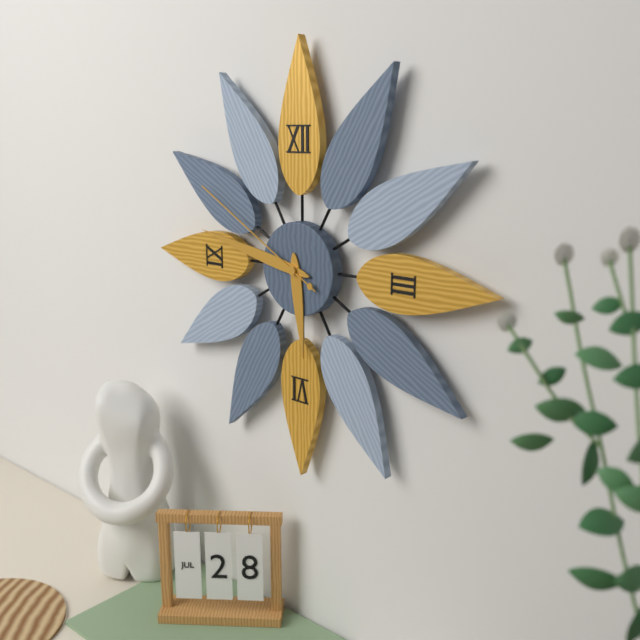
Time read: **5:47:50**
